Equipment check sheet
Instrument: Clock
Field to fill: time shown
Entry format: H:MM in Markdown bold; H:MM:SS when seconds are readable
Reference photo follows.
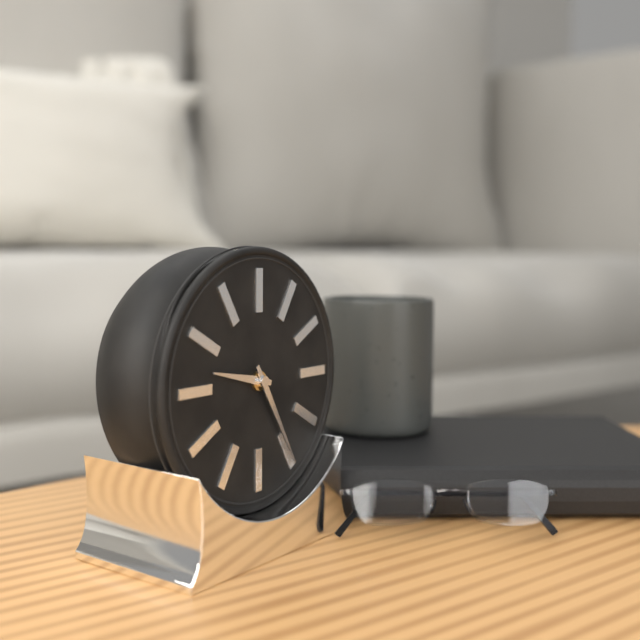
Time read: **9:25**
